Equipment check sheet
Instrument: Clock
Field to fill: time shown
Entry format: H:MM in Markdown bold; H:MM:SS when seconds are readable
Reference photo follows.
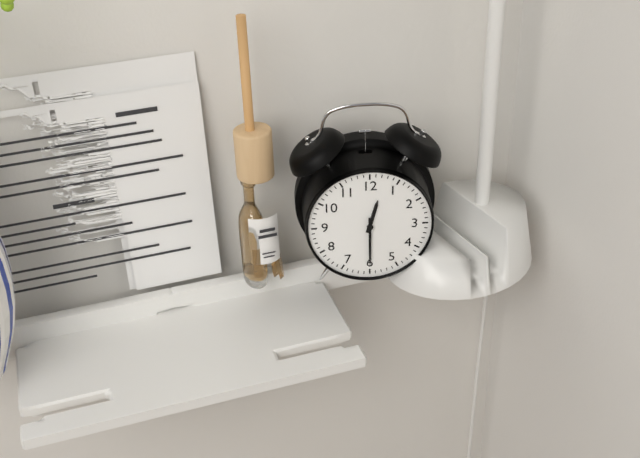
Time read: **12:30**
